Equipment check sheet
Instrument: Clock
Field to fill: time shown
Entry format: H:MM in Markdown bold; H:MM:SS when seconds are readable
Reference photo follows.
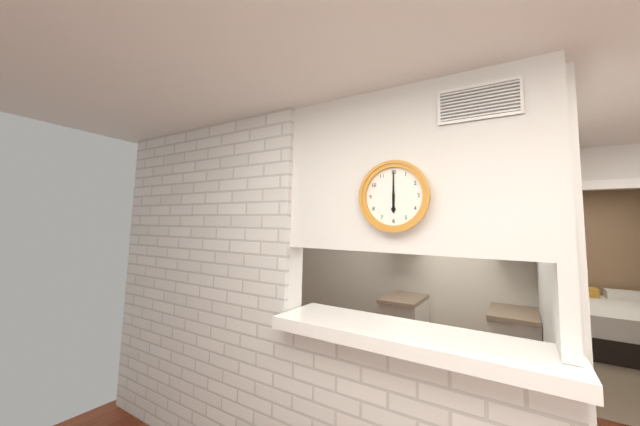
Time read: **6:00**
